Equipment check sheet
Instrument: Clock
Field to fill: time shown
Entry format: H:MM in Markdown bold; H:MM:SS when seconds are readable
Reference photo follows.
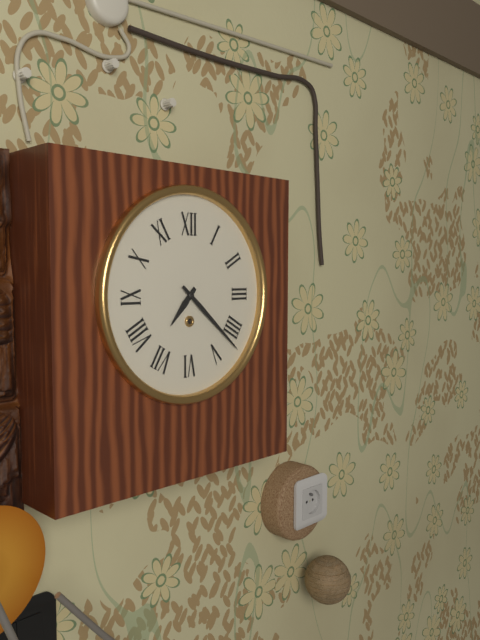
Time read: **7:22**
